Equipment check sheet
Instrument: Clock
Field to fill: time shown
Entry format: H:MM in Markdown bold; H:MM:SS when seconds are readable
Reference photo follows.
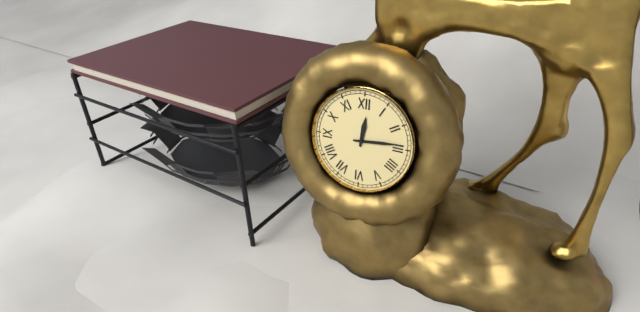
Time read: **12:14**
